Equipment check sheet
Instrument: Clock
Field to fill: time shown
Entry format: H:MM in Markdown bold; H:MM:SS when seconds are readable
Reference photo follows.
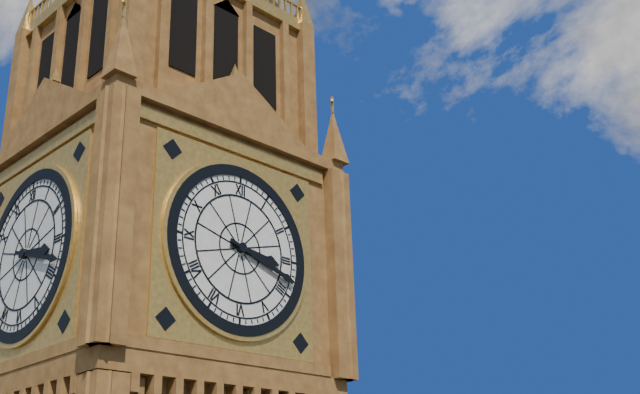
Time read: **3:18**
